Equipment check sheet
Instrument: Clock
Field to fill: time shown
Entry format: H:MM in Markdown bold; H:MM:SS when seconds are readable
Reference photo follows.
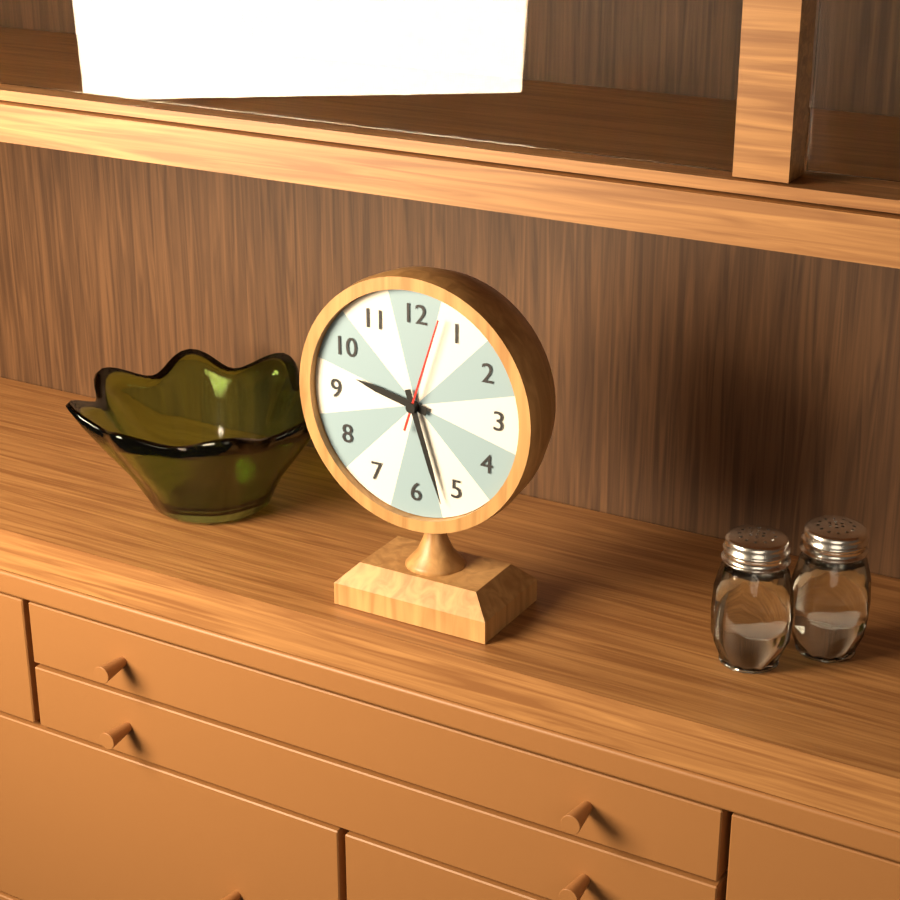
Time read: **9:27:03**
